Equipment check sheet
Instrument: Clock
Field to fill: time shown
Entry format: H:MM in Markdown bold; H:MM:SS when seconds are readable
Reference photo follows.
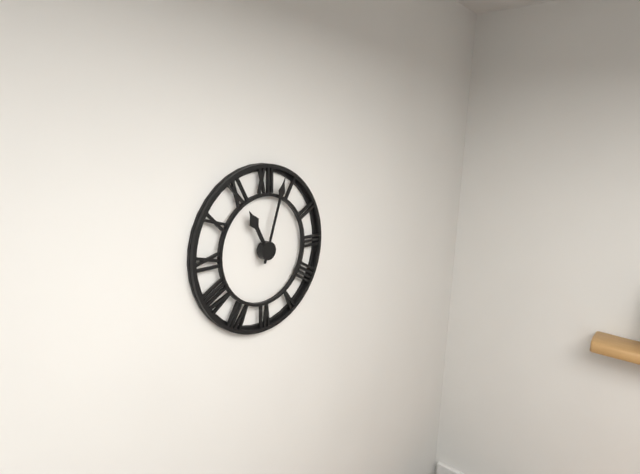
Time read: **11:03**
